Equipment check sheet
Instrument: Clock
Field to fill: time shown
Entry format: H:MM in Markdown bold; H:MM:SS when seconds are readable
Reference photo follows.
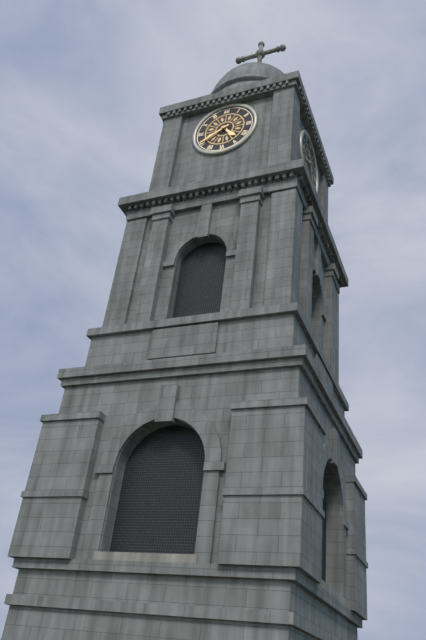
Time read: **4:40**
